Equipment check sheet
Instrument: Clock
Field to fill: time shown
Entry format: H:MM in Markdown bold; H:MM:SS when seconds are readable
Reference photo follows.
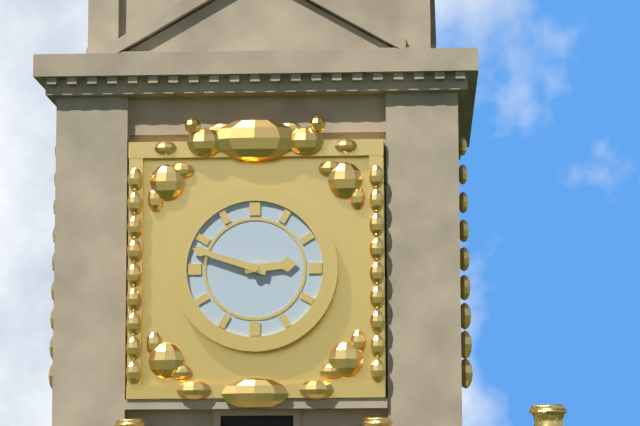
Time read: **2:48**
